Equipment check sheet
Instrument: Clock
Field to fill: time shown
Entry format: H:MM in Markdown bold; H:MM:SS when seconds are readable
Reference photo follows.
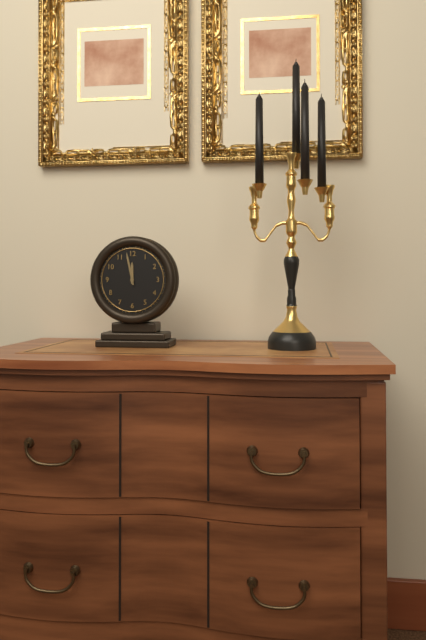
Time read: **11:58**
